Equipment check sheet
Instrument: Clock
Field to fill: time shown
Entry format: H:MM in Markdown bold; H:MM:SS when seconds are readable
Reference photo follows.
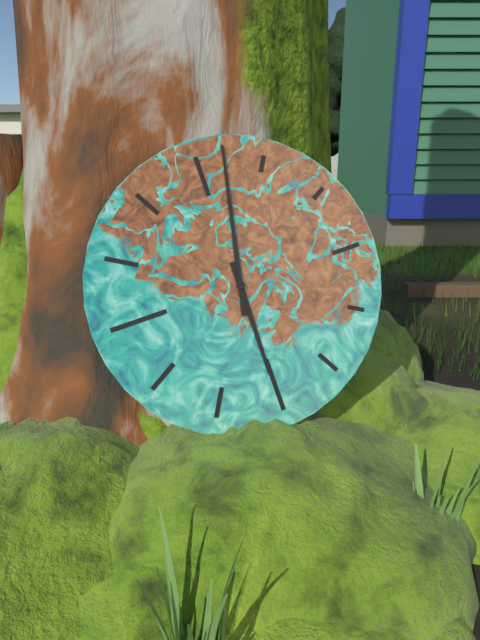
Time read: **6:02**
